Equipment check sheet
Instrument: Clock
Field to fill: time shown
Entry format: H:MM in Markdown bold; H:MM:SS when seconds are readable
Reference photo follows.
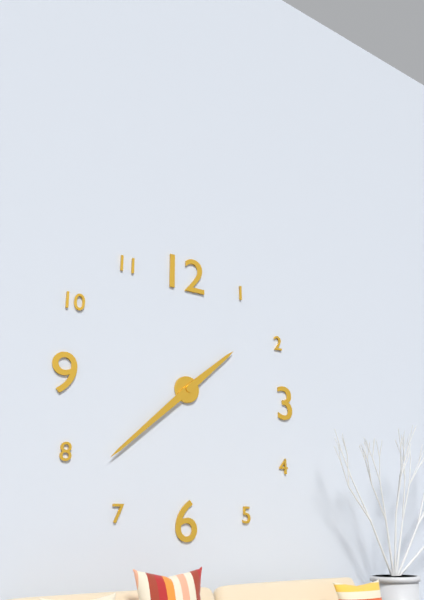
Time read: **1:38**
